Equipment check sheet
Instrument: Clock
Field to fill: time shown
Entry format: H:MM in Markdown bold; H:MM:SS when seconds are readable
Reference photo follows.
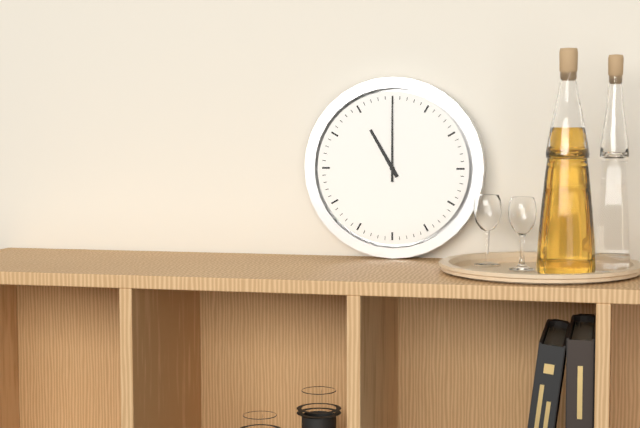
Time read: **11:00**
